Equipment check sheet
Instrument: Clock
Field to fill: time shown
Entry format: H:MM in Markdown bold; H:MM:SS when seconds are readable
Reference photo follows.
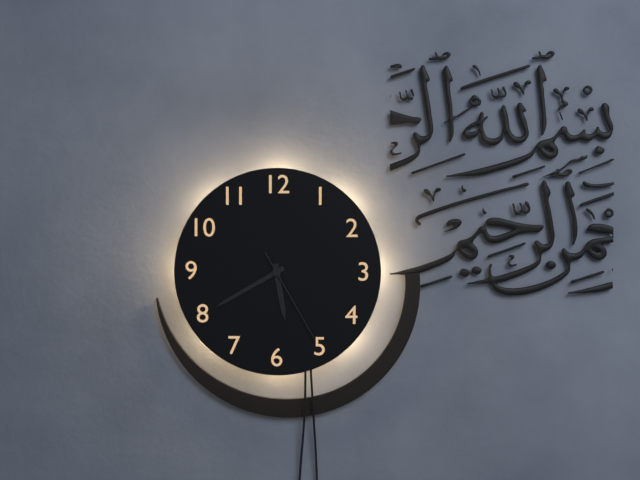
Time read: **5:40:25**
